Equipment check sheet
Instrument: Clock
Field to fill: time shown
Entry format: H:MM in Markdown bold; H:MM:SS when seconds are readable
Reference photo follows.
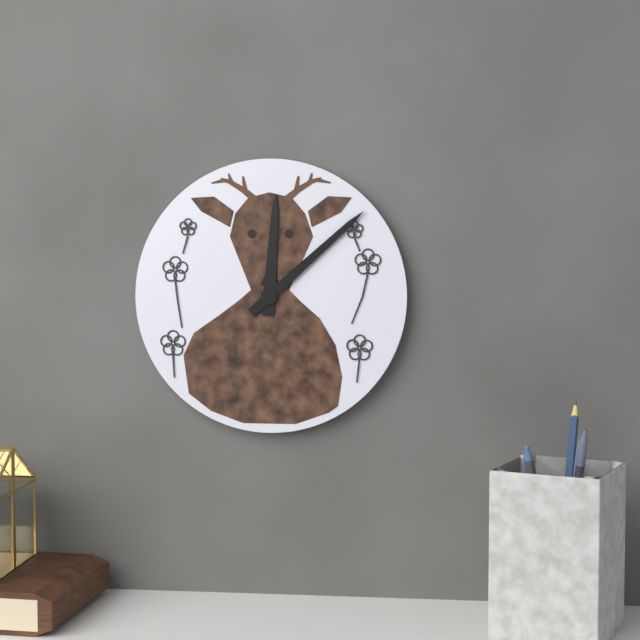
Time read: **12:08**
